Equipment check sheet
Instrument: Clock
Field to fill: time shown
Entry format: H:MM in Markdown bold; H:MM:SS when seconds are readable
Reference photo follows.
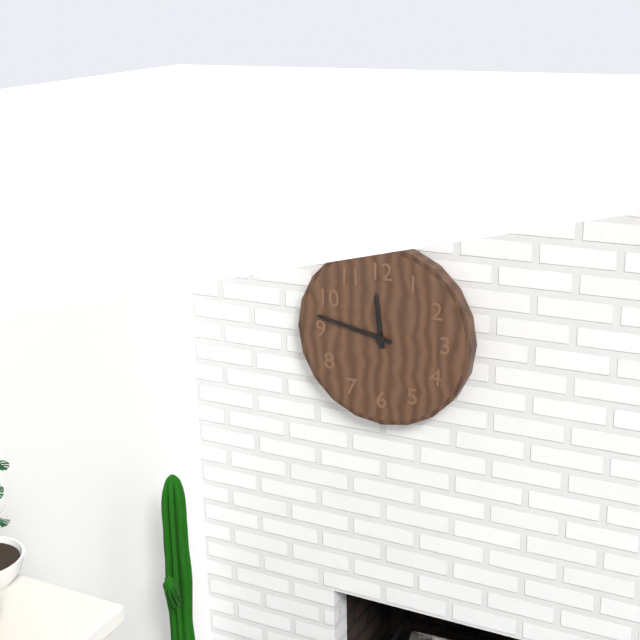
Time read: **11:47**
